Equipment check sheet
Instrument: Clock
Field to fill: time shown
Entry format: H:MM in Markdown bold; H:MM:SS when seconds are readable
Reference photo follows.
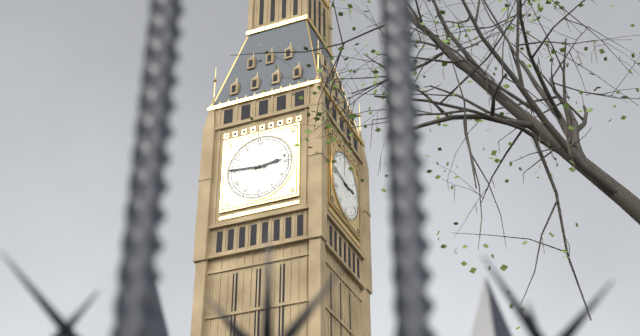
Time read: **2:46**
